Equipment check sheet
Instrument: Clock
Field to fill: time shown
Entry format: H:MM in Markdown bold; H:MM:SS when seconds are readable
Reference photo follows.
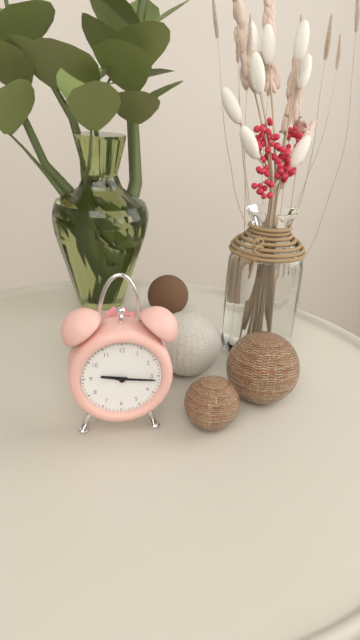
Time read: **9:16**
